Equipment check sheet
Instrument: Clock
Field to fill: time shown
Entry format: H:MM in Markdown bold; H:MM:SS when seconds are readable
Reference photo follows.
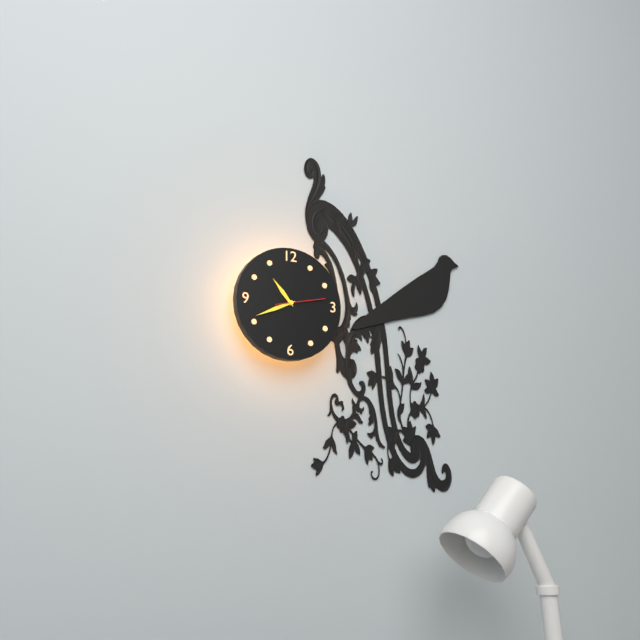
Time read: **10:41:13**
